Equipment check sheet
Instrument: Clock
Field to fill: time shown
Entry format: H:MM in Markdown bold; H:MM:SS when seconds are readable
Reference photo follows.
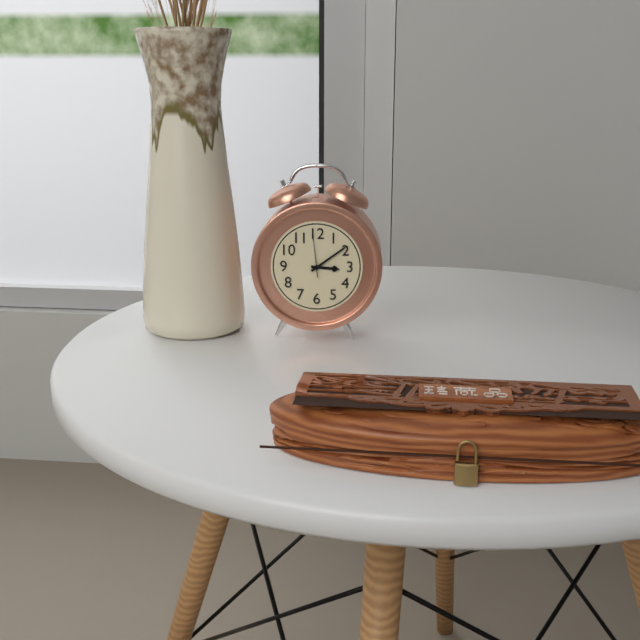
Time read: **3:09**
